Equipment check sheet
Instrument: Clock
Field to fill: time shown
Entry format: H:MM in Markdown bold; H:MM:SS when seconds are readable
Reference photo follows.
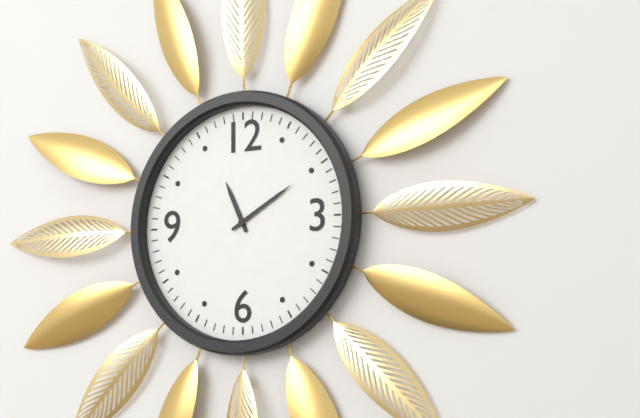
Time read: **11:10**
